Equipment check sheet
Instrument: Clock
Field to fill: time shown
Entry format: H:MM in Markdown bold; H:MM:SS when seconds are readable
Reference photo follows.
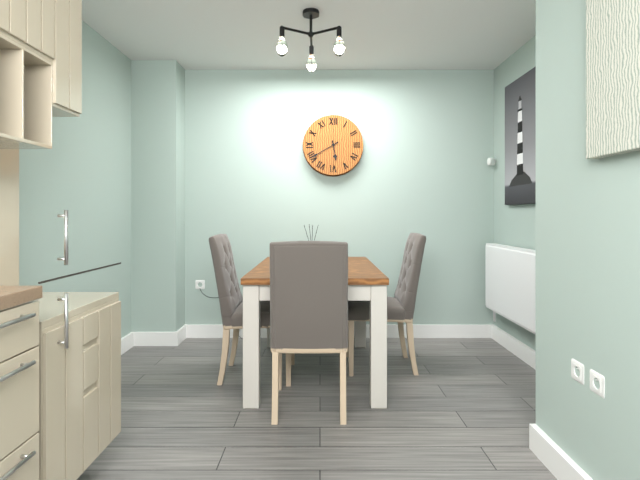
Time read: **5:40**
